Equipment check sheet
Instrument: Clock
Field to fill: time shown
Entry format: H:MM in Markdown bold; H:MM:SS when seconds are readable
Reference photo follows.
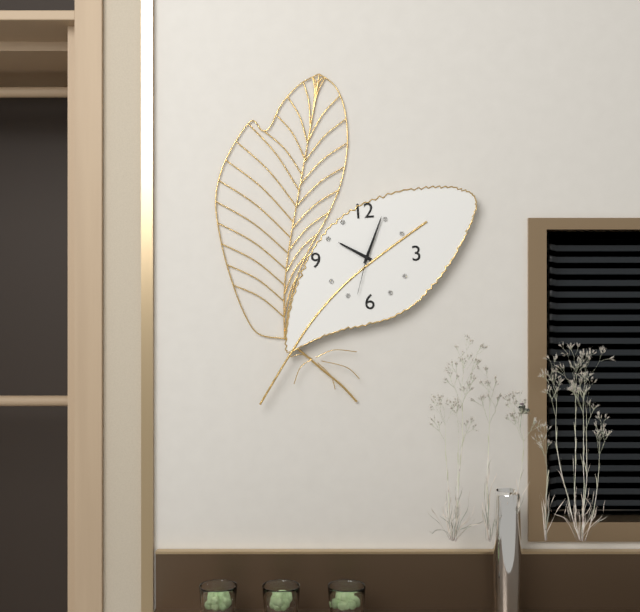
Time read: **10:04:33**
